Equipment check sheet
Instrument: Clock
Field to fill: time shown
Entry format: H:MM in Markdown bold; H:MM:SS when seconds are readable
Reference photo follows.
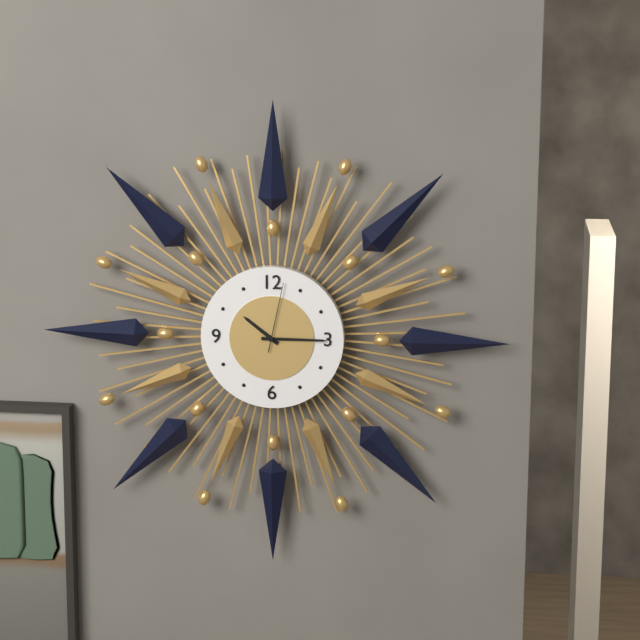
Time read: **10:15:02**
